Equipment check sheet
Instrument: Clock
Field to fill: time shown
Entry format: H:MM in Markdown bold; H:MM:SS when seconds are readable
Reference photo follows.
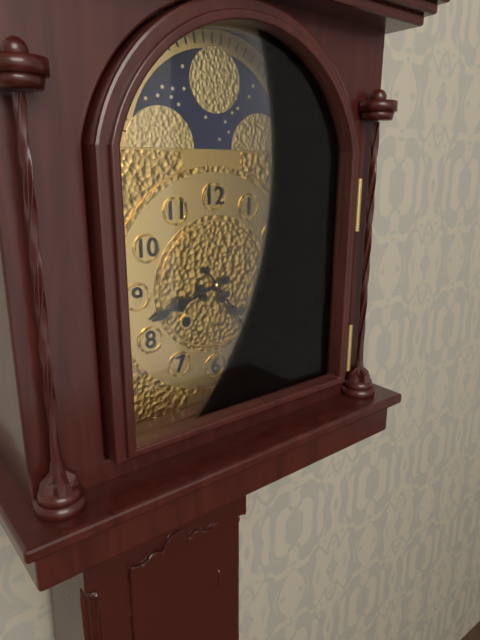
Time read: **8:24**
